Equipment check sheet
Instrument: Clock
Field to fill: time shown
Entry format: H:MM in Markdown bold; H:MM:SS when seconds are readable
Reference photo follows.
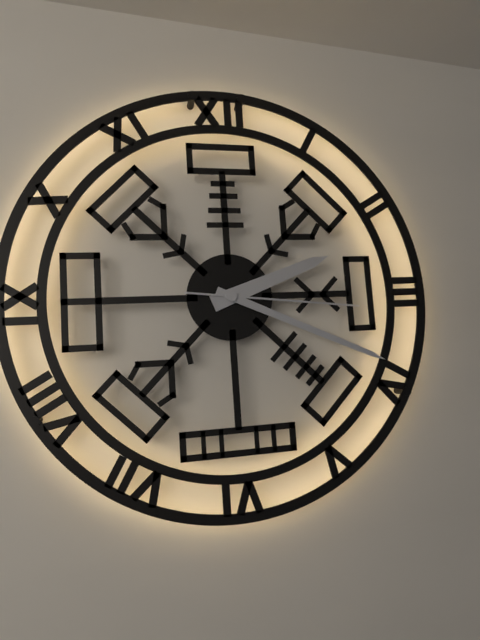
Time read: **2:19:16**
